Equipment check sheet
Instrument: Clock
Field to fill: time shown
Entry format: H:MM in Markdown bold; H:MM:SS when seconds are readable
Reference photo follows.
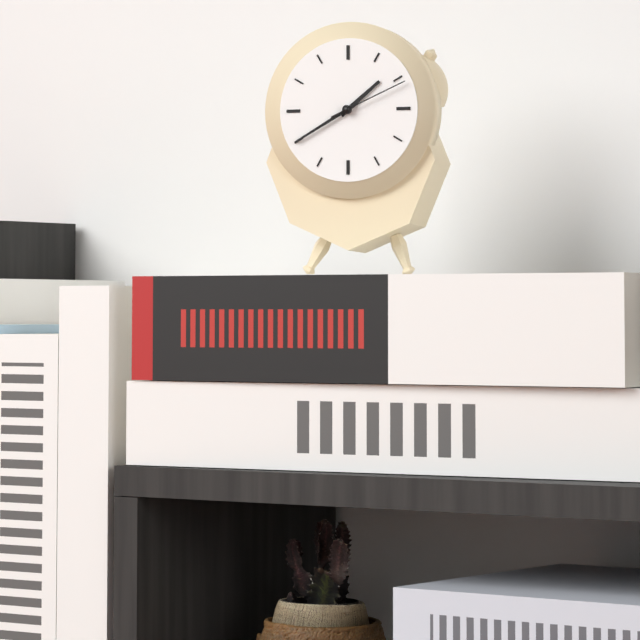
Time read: **1:40:11**
